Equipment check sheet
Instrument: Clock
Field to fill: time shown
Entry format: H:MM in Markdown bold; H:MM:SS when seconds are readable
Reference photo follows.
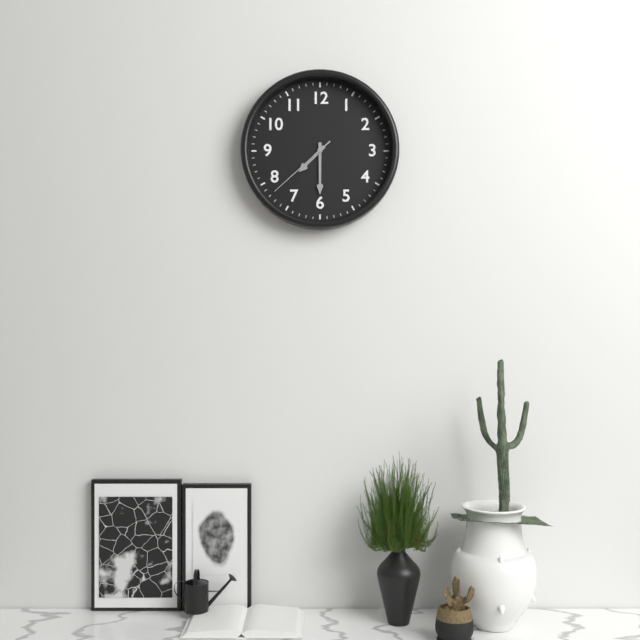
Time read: **7:30:38**
